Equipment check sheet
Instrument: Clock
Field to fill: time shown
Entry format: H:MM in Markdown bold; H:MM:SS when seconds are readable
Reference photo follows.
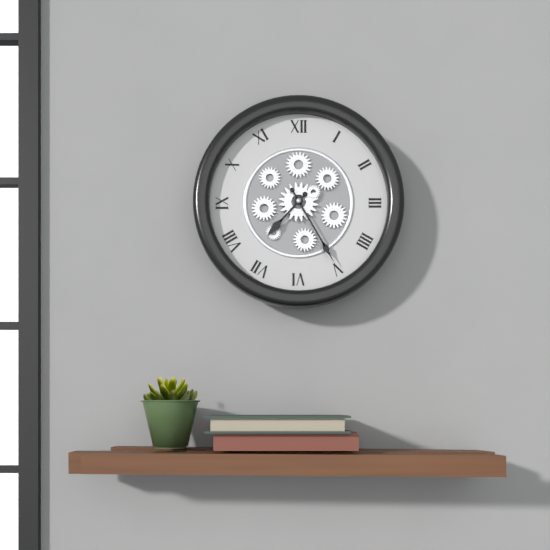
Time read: **7:25**
